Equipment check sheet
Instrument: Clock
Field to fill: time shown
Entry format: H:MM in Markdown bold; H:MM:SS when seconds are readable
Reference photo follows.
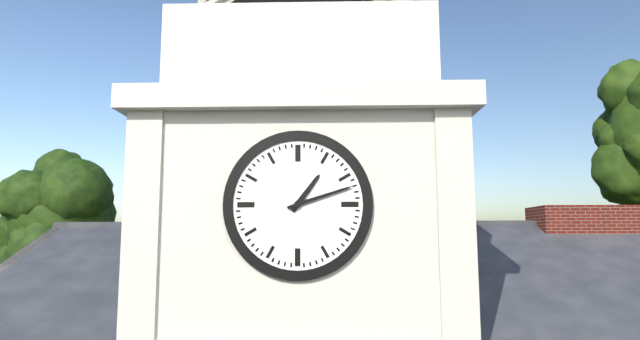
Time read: **1:12**
